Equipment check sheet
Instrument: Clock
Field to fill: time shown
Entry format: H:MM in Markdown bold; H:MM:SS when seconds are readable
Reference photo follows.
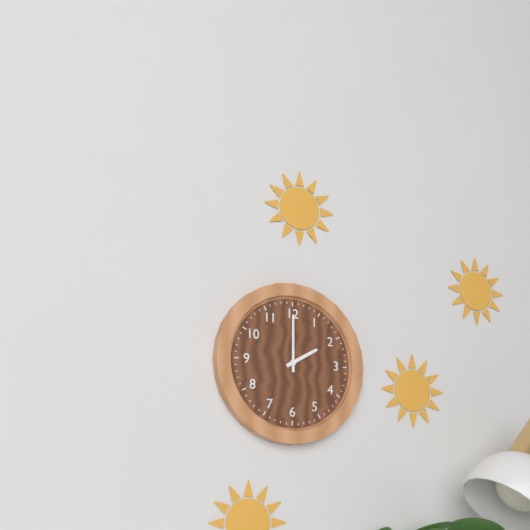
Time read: **2:00**
